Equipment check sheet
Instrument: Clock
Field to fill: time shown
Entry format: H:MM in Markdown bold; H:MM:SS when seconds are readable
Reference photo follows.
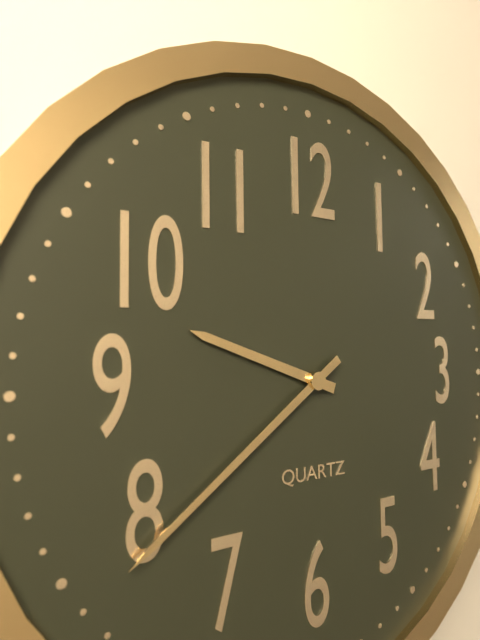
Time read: **9:39**
